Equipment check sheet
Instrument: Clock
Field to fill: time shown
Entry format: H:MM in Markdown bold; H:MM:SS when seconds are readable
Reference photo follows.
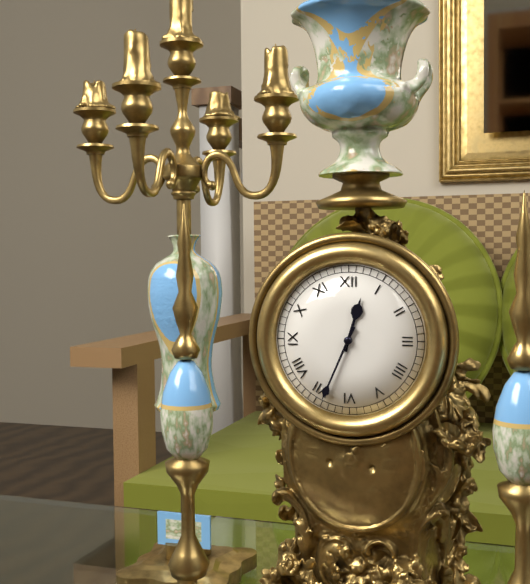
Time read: **12:34**
